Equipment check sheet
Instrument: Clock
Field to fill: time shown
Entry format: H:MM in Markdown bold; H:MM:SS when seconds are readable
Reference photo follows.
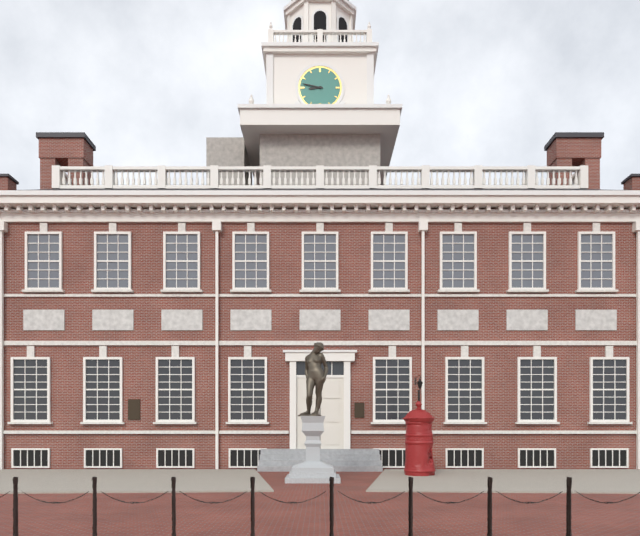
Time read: **8:47**
